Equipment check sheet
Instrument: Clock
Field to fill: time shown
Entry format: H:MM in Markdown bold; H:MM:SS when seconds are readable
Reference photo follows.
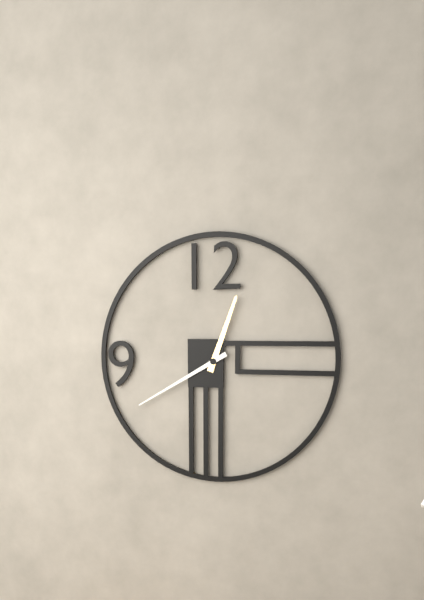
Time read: **12:40**
